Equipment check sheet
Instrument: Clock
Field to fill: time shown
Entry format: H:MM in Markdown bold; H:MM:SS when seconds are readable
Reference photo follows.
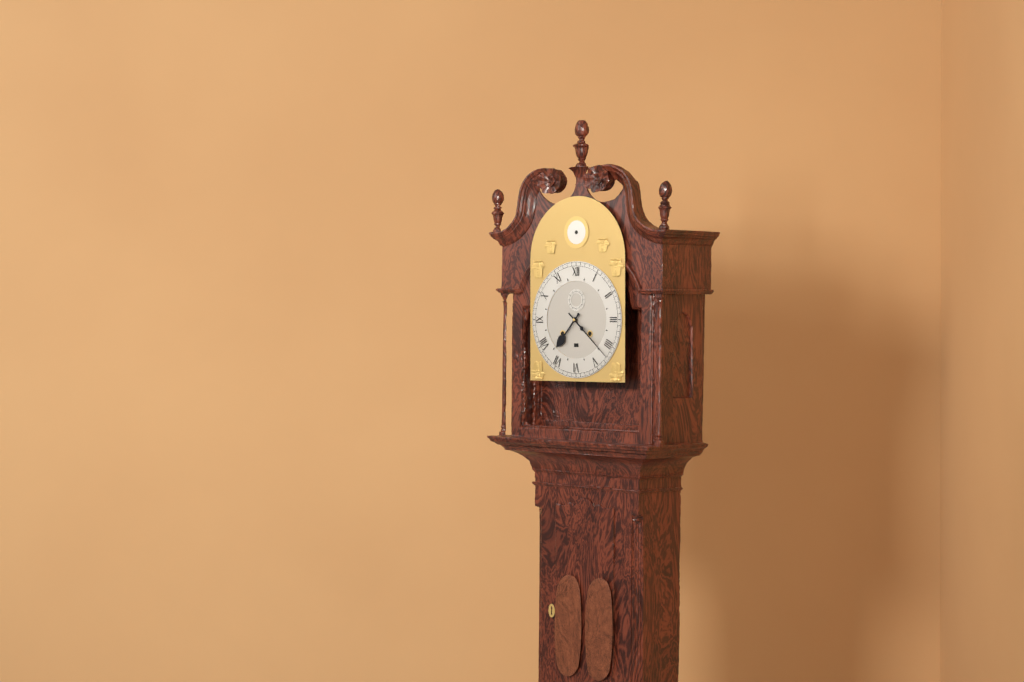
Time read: **7:22**
